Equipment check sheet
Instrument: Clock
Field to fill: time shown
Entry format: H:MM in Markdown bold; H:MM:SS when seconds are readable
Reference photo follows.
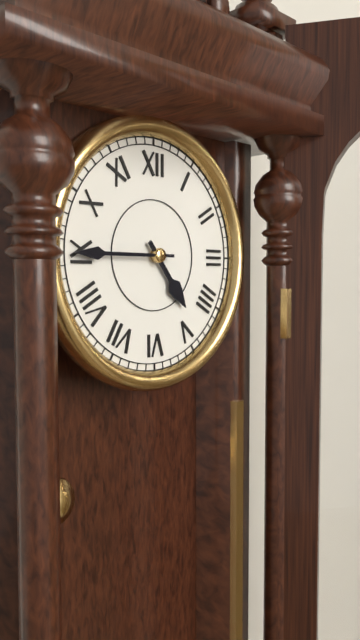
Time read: **4:45**
